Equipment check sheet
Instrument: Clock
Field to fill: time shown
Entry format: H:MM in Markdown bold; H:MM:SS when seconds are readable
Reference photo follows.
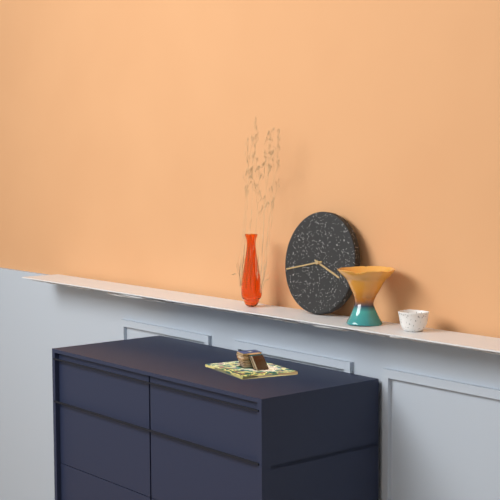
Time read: **3:43**
